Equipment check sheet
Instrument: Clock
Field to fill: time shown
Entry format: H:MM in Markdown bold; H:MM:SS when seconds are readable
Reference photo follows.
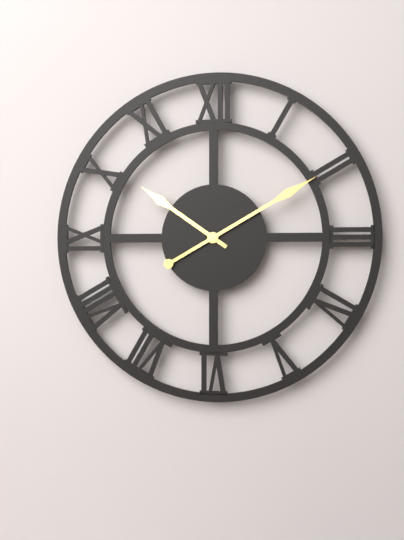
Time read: **10:10**
